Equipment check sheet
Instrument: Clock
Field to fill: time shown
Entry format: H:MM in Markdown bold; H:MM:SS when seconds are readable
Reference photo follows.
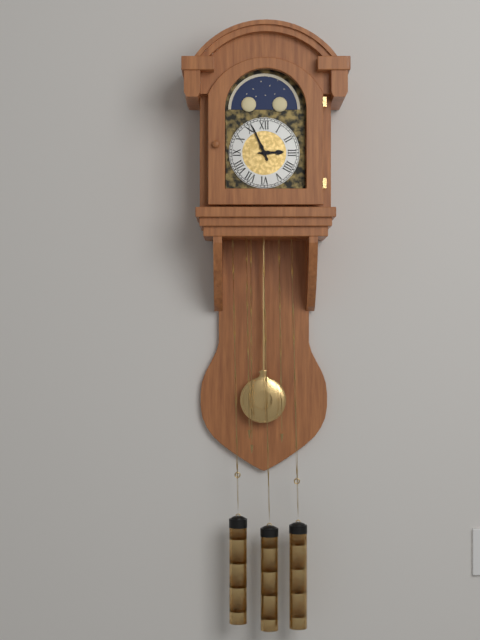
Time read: **2:56**
